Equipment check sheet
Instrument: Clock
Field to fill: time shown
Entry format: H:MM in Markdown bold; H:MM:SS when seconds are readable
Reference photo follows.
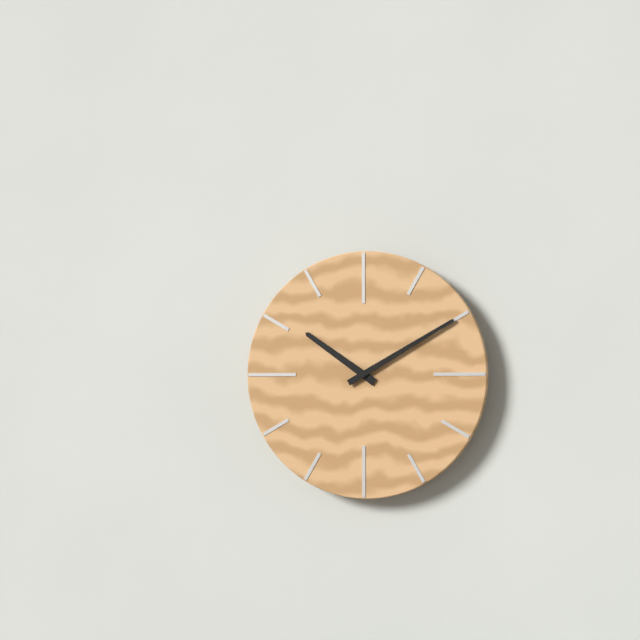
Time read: **10:10**
